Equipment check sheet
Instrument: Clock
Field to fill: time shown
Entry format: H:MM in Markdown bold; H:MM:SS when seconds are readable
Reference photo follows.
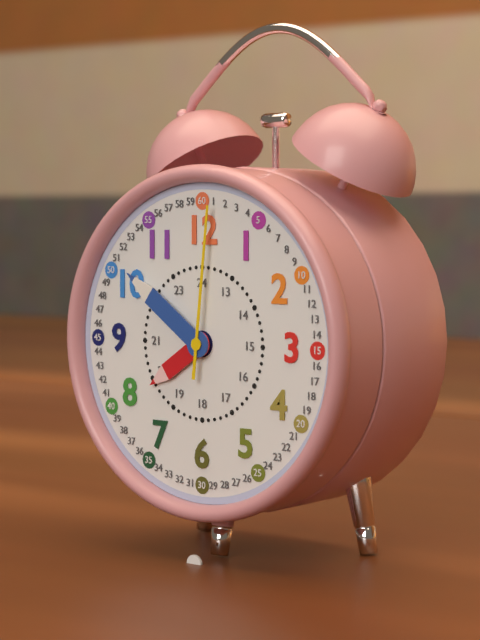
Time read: **7:51:01**
